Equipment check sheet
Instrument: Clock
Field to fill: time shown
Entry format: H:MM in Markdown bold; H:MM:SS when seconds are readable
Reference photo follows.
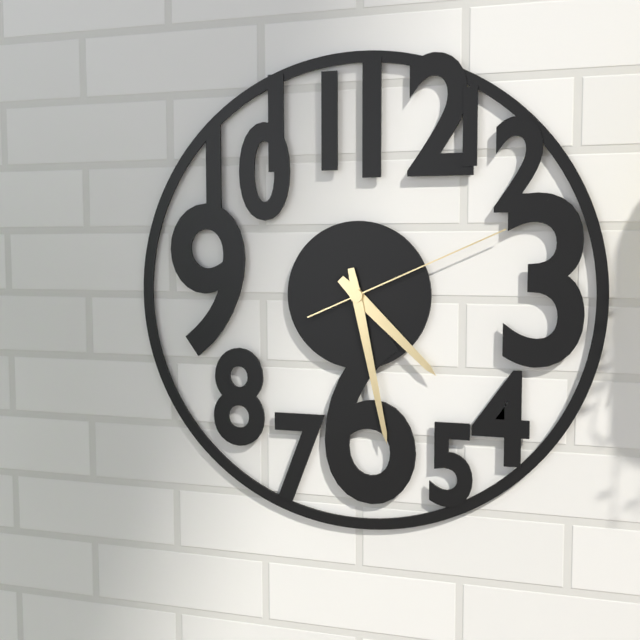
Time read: **4:28:11**
